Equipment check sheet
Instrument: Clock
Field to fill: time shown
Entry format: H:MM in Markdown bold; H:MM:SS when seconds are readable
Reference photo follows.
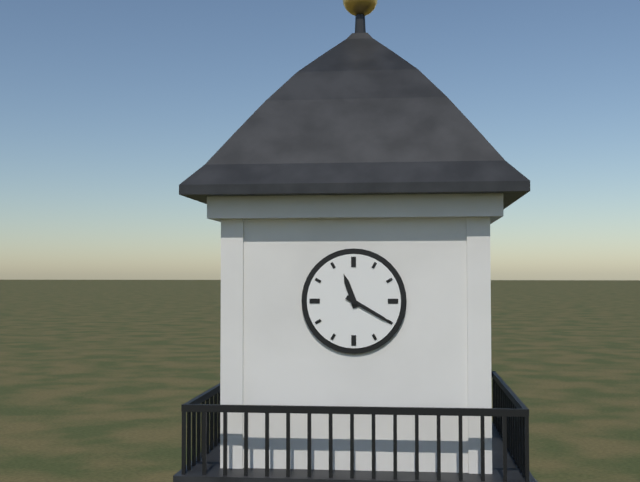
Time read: **11:20**
